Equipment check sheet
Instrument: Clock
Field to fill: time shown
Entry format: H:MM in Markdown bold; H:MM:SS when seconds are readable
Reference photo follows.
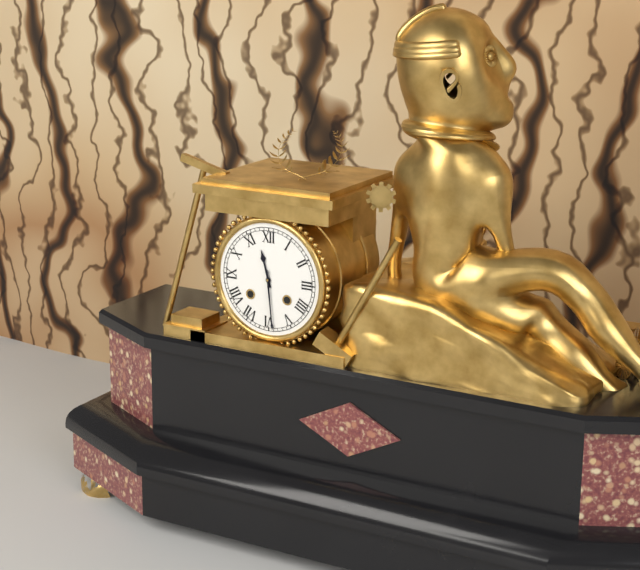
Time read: **11:29**
